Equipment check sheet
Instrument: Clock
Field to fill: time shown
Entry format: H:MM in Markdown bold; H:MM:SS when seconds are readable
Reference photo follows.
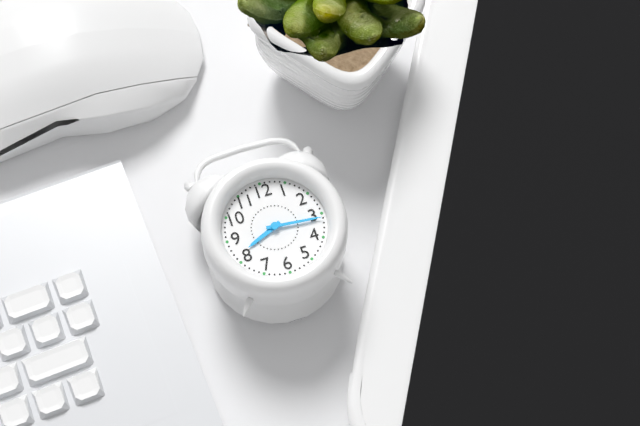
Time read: **8:16**
